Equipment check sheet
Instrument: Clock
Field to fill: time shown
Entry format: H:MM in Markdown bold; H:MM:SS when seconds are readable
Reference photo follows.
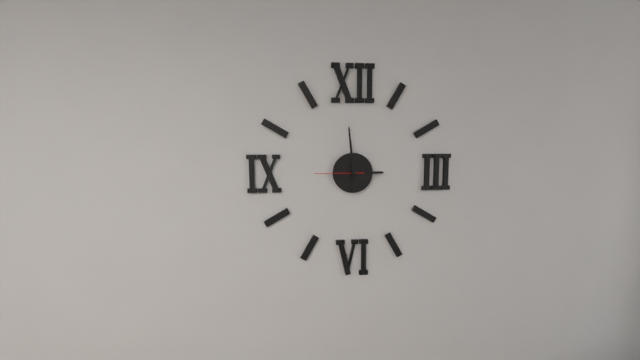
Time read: **2:59**
